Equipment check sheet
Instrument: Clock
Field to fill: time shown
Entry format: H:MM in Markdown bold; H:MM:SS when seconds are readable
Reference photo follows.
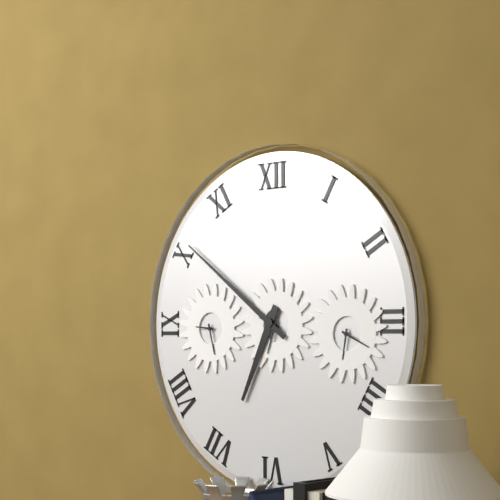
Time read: **6:51**
